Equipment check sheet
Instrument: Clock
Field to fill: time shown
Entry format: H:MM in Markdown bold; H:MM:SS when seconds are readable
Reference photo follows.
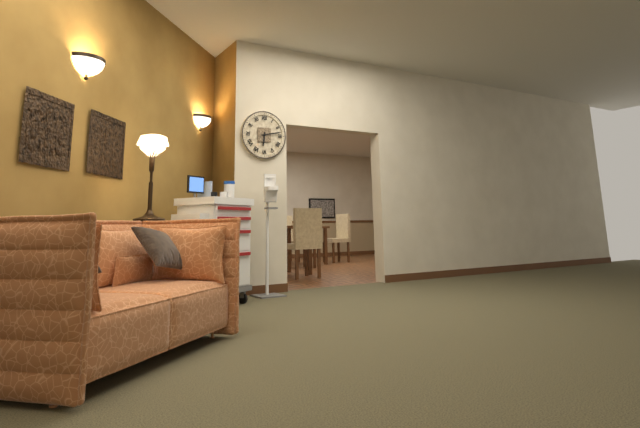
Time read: **6:13**
